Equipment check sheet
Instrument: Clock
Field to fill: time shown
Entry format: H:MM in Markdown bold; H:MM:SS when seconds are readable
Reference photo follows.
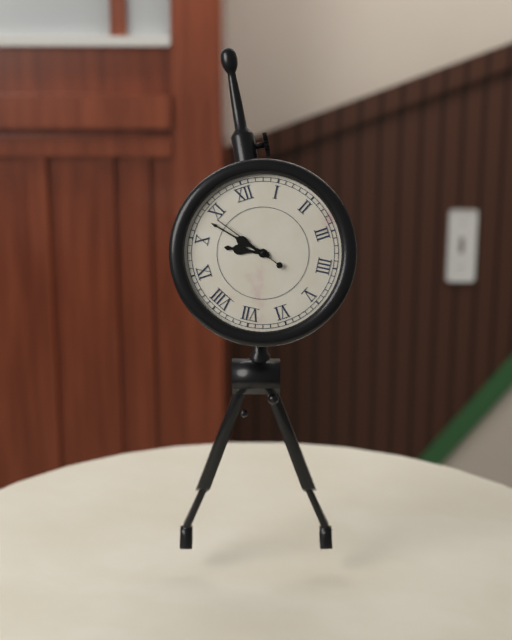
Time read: **9:53:54**
